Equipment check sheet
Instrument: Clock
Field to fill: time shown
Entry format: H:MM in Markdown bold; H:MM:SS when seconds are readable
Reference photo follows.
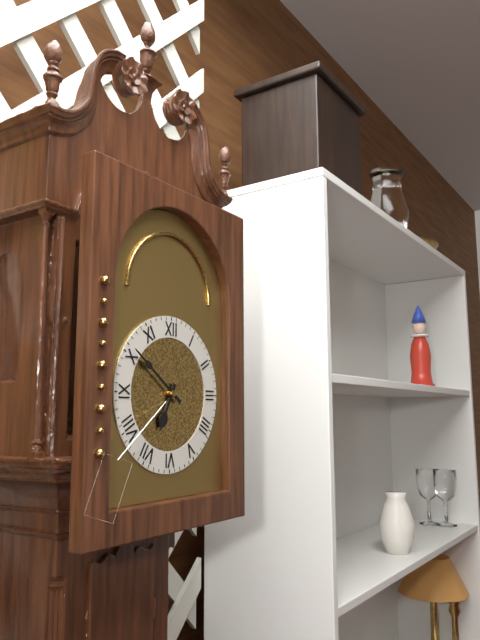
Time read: **6:51**
